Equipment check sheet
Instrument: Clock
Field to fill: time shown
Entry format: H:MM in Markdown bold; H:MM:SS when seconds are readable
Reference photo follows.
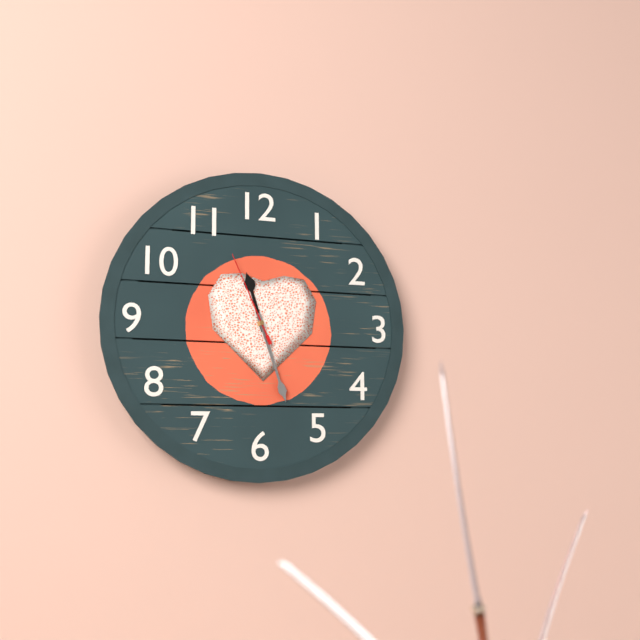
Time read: **11:27:56**
